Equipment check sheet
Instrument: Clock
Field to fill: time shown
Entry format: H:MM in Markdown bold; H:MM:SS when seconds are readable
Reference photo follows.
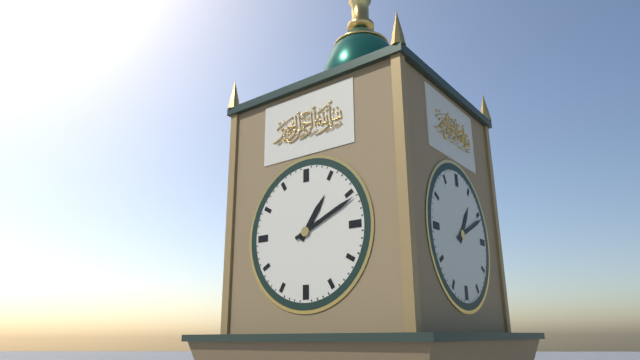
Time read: **1:11**
